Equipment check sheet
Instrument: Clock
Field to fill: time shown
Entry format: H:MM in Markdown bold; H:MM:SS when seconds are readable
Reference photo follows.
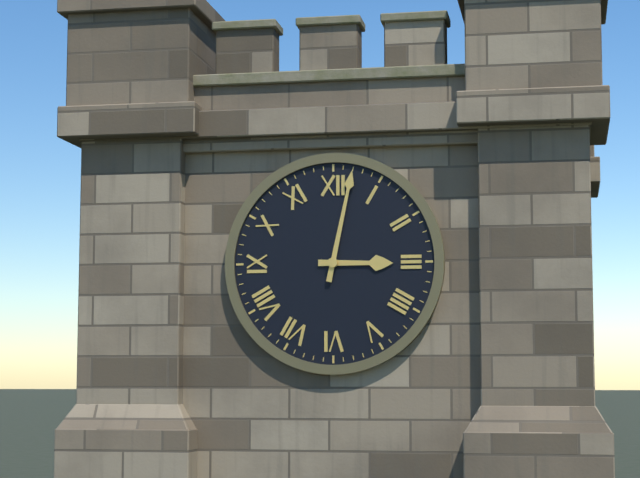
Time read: **3:02**
